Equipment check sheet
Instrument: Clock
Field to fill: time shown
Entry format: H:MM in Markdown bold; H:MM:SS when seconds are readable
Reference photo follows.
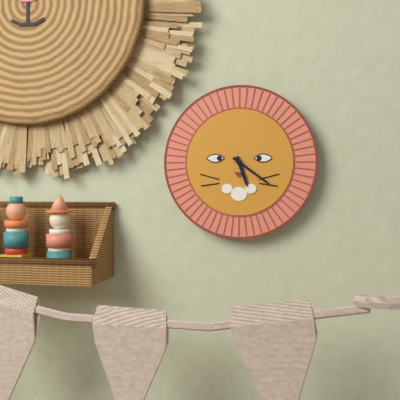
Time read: **5:21**
